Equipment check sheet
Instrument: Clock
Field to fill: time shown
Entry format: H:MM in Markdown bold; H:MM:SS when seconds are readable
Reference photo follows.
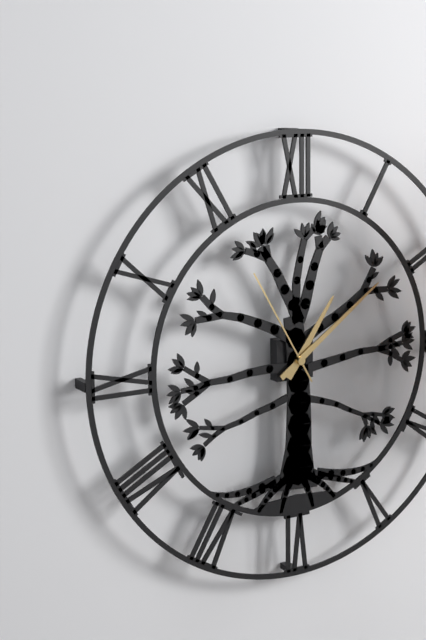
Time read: **1:09:55**
